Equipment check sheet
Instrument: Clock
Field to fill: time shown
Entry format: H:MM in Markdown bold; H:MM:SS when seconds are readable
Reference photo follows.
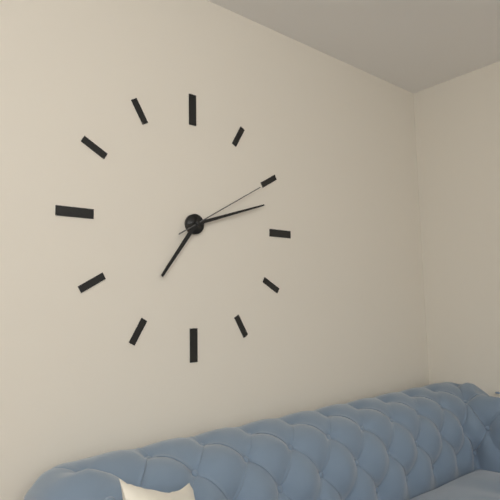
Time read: **7:12:10**
